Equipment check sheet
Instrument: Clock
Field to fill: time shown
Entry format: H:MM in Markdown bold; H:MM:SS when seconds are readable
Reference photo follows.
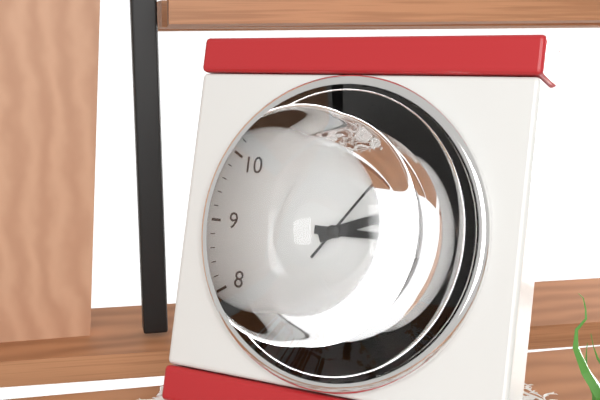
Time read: **2:15:06**
